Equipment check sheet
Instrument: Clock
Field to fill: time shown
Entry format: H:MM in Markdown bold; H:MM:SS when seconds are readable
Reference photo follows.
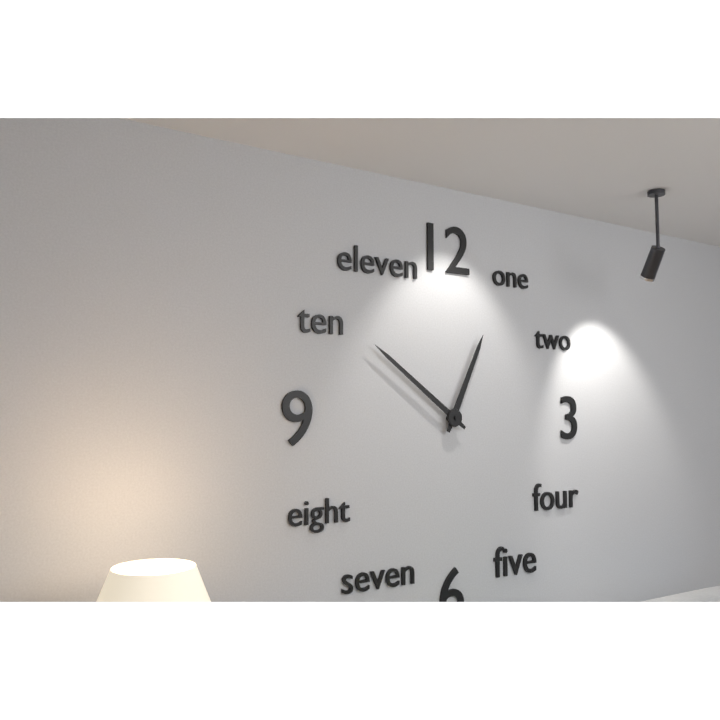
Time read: **12:51**
